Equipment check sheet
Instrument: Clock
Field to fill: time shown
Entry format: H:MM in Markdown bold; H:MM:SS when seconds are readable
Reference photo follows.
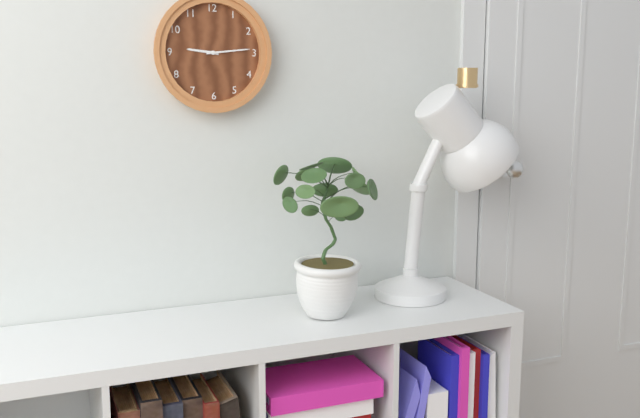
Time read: **9:14**
